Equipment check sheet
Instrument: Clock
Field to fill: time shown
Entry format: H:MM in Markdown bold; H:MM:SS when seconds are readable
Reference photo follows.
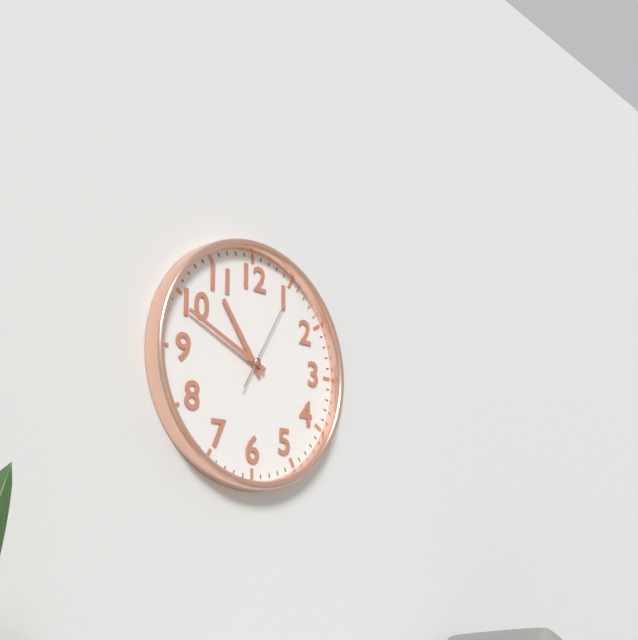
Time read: **10:49:05**
